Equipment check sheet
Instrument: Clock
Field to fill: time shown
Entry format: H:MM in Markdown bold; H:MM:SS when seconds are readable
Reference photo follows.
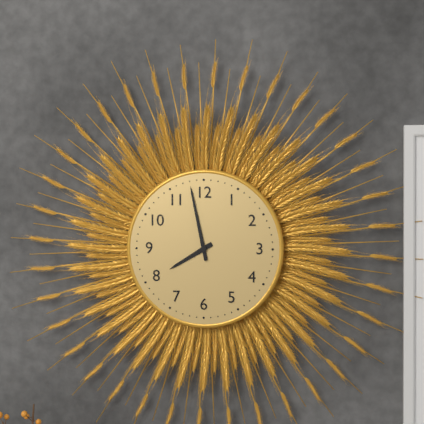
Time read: **7:58**
